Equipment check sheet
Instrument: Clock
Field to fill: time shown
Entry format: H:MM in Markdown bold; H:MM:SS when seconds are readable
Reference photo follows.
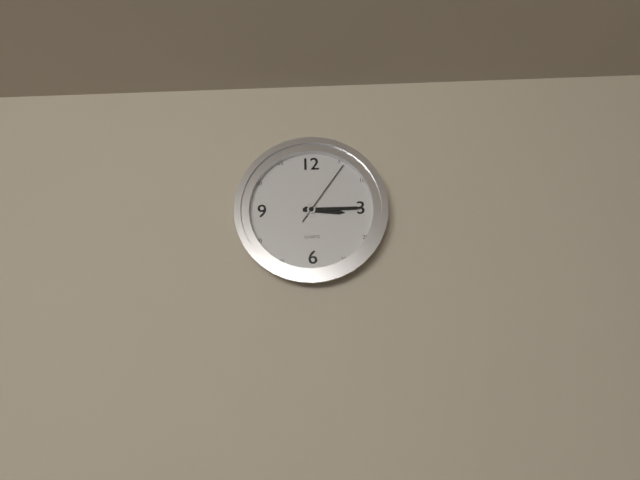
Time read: **3:15:06**
